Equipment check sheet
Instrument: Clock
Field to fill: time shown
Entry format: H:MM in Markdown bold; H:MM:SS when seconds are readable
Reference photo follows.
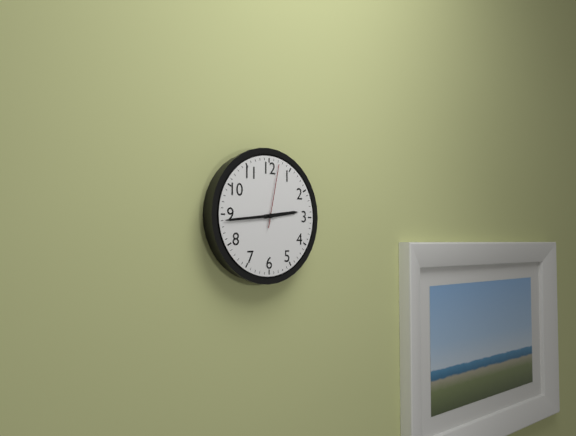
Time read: **2:44:02**
